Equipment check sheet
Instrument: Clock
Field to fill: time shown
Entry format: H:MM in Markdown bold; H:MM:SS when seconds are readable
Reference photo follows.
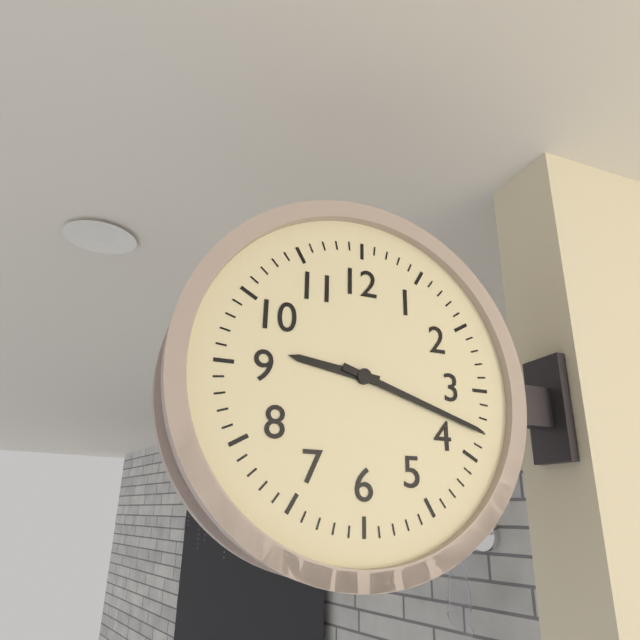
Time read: **9:18**
